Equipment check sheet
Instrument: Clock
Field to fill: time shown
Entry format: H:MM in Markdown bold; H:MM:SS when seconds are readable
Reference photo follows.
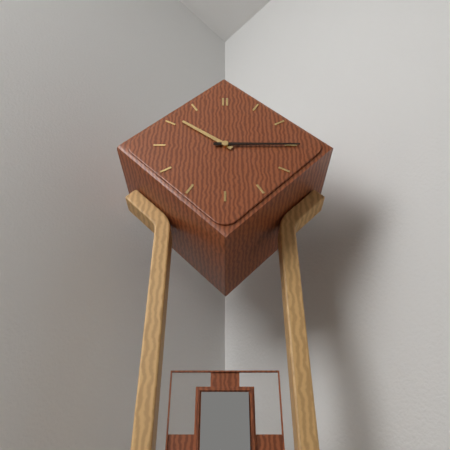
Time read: **10:15**
